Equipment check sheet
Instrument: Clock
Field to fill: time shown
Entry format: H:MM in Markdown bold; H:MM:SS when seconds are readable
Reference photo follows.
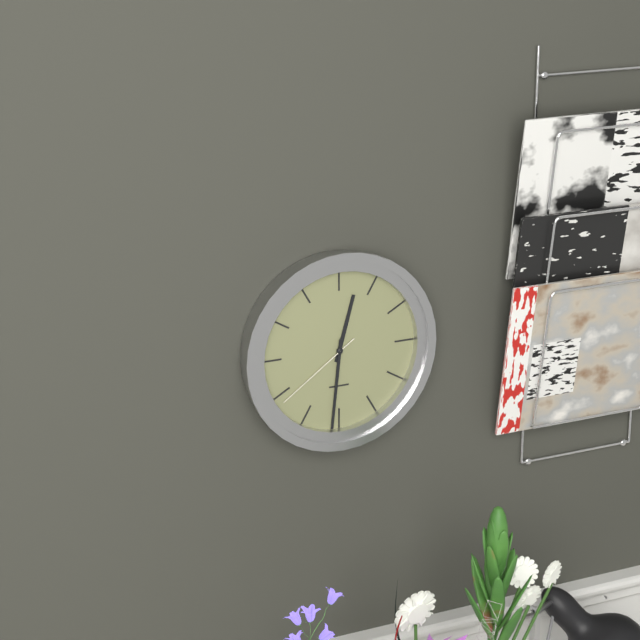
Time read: **12:31:39**
